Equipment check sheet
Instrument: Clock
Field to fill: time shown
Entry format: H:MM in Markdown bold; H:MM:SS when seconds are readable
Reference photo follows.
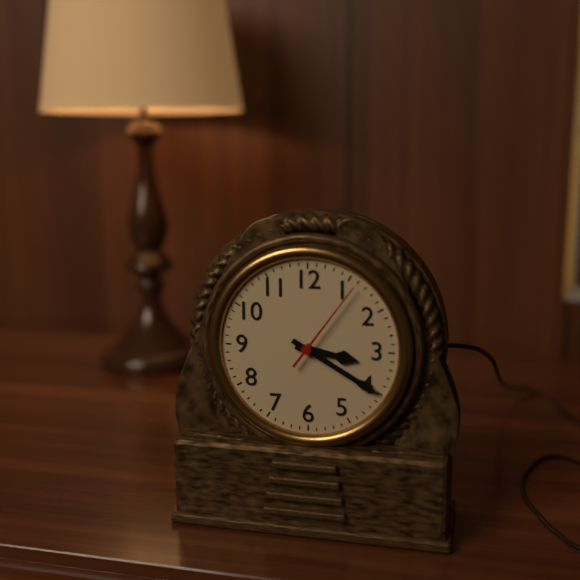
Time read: **3:20:06**
